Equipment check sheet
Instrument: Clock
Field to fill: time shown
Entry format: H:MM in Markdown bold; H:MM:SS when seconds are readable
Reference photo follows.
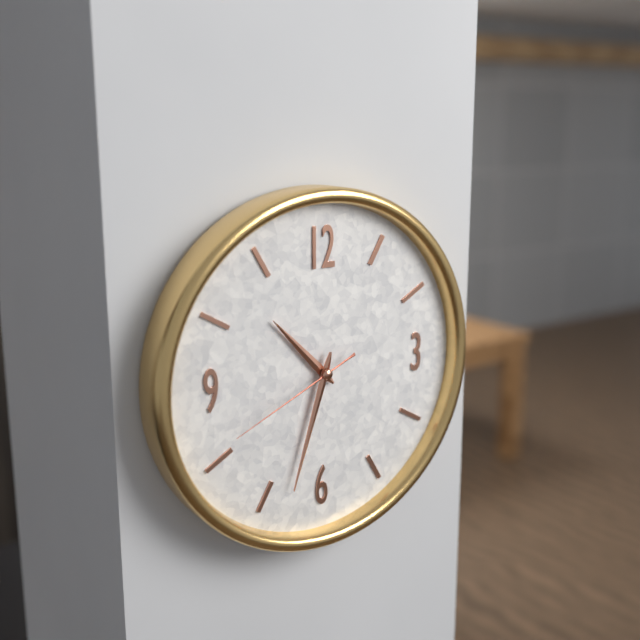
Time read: **10:33:41**
